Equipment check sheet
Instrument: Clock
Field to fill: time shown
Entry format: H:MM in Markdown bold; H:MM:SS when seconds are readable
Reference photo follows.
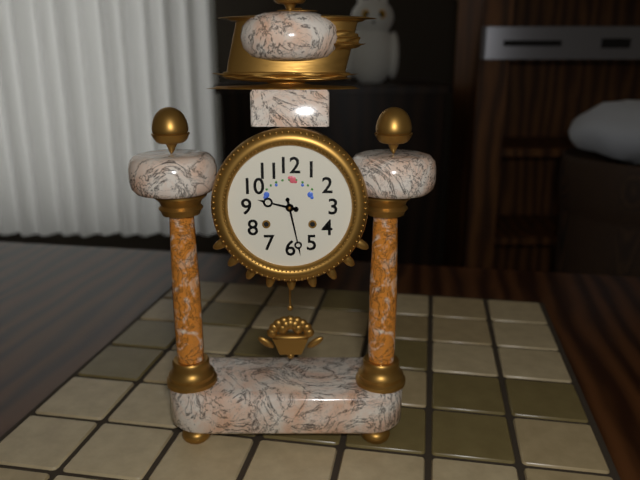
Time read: **9:28**
